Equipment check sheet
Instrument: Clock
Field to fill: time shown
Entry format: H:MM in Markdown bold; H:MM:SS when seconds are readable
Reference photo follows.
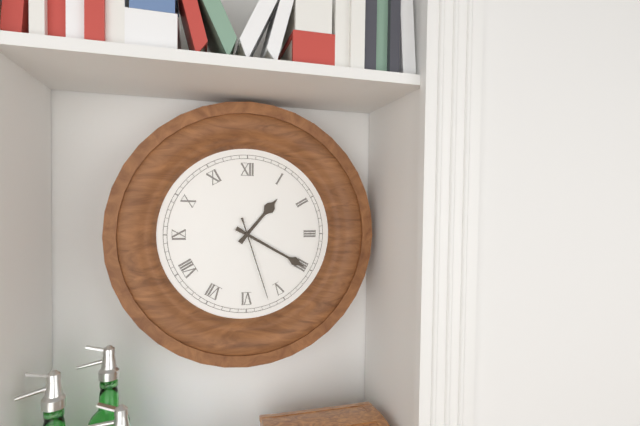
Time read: **1:20:27**
